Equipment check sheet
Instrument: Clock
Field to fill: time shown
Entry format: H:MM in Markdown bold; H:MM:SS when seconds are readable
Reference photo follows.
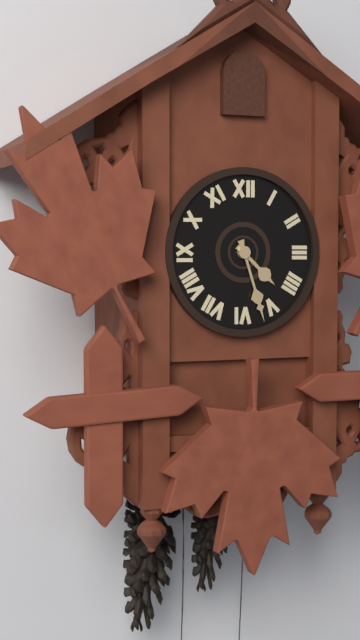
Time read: **4:27**
